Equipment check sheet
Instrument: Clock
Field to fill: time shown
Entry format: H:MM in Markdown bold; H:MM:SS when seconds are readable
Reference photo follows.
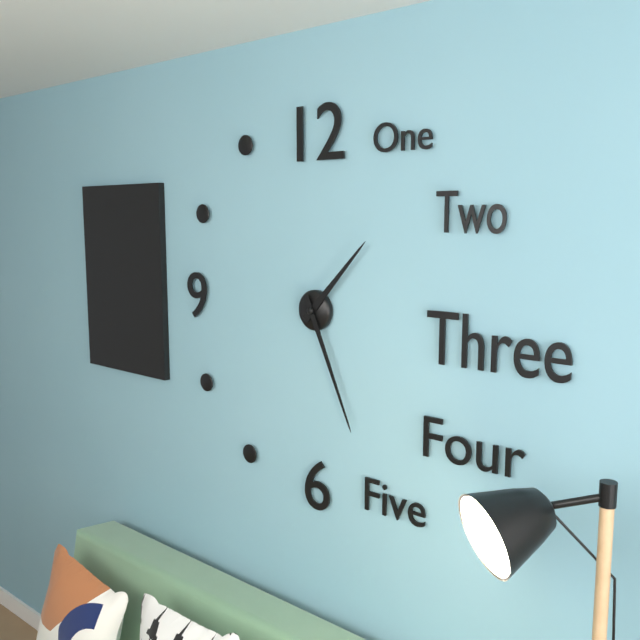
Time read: **1:26**
